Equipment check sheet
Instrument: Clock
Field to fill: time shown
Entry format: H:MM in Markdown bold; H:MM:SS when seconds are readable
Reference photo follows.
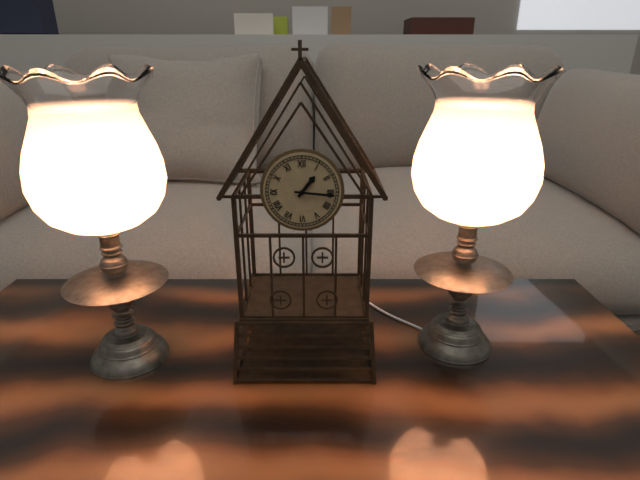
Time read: **1:16**
